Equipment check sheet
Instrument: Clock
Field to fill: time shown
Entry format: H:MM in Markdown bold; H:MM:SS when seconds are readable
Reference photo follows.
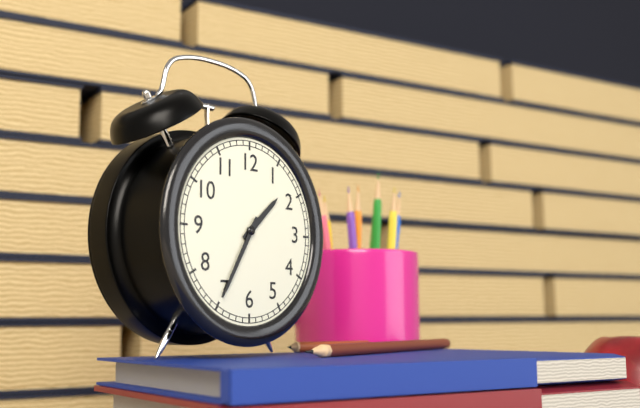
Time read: **1:35**
